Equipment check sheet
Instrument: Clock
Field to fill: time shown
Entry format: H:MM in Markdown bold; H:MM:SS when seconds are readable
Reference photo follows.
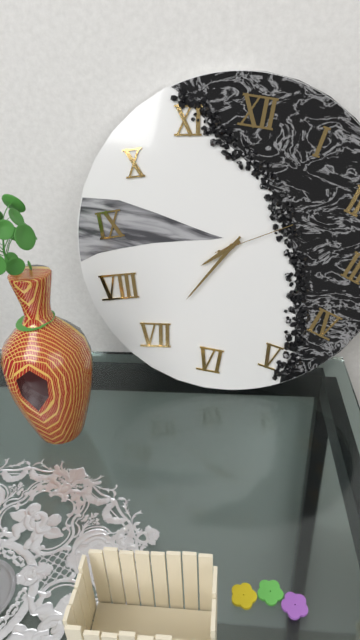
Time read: **7:35:10**
